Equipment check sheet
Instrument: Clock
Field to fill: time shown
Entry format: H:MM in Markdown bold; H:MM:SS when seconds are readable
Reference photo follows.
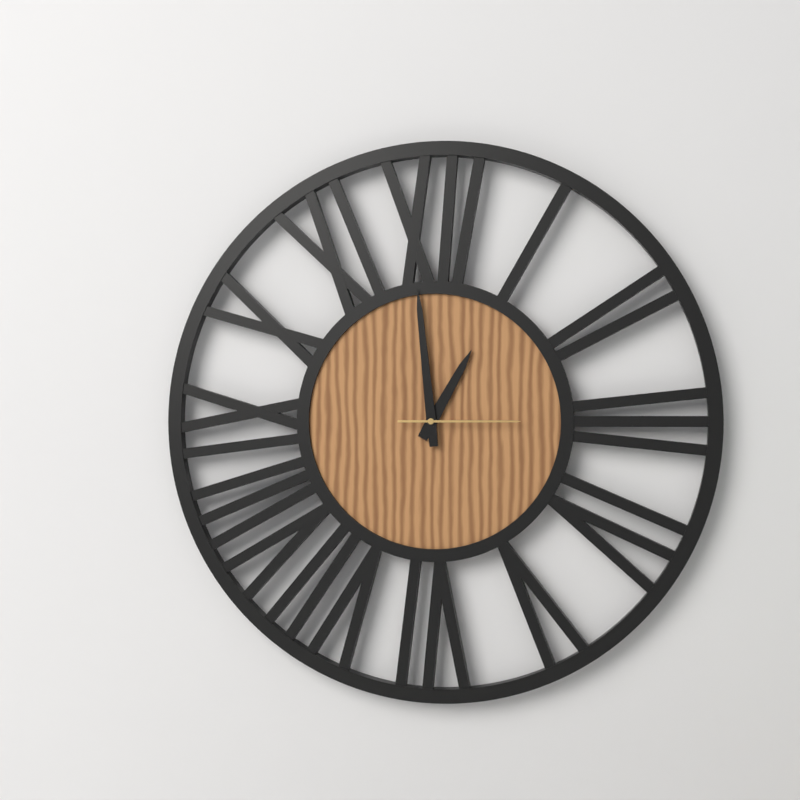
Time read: **12:59:15**
